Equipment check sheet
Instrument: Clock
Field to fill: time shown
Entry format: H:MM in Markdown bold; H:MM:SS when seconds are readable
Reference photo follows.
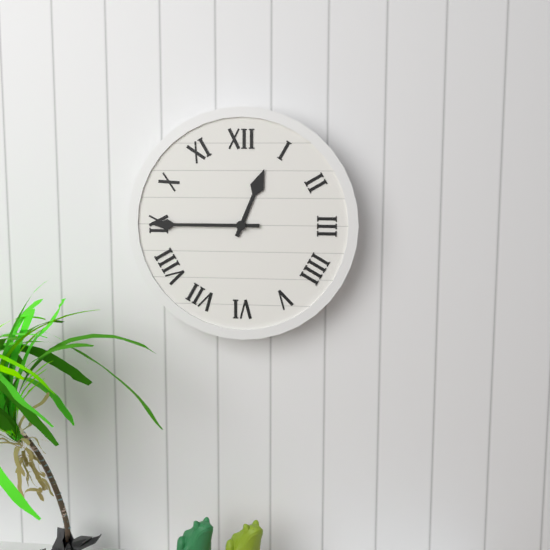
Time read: **12:45**
